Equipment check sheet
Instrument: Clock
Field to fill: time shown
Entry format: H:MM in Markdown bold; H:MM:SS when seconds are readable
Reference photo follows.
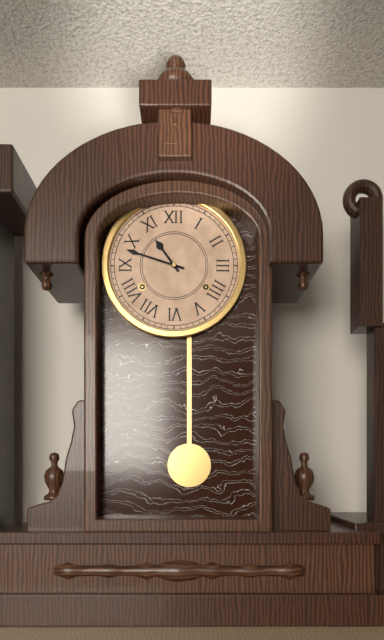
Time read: **10:48**
